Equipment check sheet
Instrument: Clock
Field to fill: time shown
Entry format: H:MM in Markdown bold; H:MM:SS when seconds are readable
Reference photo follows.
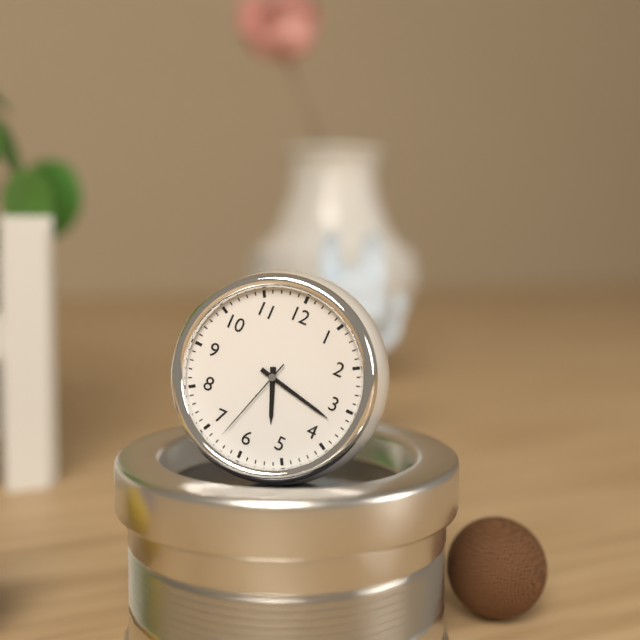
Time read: **5:17:33**
